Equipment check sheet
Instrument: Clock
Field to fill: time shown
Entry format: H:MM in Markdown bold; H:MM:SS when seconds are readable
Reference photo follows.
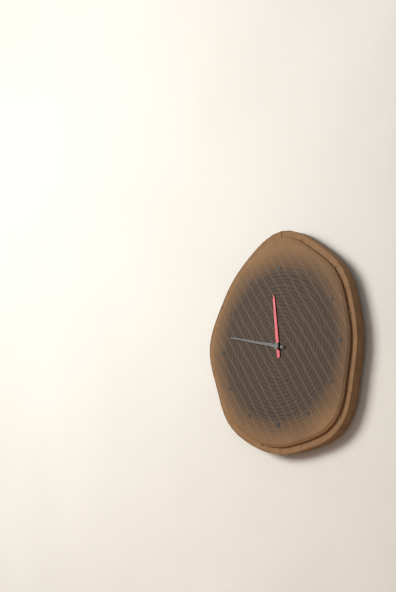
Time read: **11:47**
